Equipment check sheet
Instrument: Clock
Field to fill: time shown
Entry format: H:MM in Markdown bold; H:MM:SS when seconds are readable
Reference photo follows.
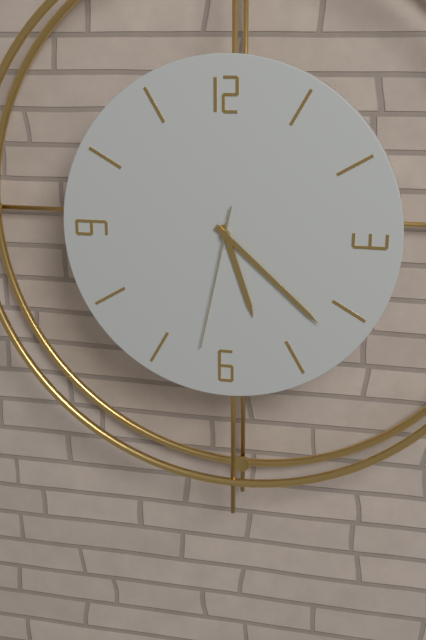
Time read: **5:22:32**
